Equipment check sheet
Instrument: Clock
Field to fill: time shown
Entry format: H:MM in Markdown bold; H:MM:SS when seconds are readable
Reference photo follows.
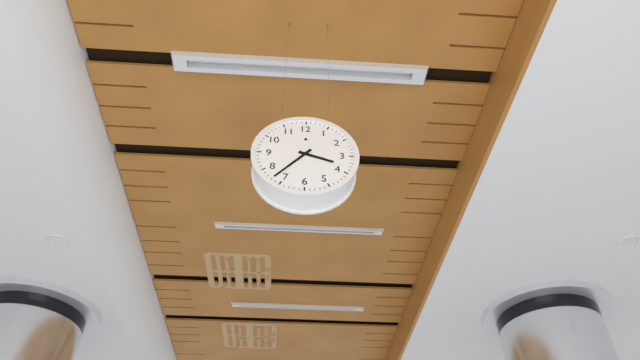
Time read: **3:37**
